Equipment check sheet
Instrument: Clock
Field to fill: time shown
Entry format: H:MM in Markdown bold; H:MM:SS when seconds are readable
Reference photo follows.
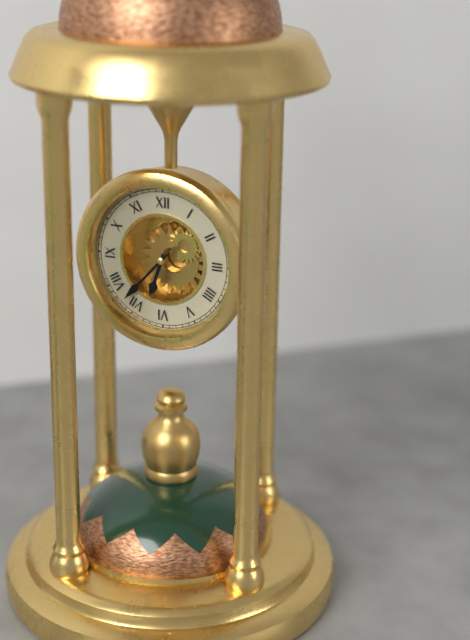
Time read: **6:37**
